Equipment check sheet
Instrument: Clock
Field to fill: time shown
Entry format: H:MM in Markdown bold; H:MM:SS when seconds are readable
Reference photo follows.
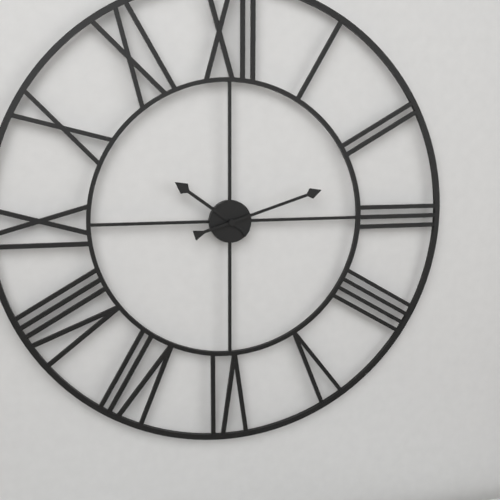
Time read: **10:12**
